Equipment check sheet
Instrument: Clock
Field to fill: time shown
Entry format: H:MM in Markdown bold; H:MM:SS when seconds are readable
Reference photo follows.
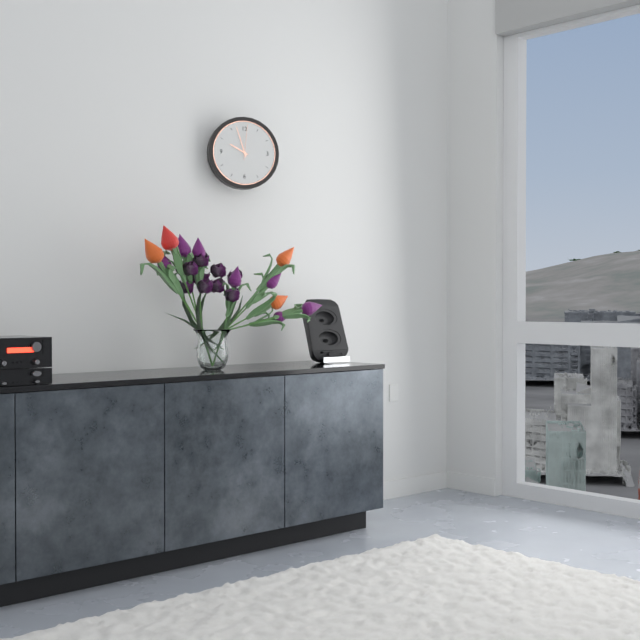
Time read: **9:57**
